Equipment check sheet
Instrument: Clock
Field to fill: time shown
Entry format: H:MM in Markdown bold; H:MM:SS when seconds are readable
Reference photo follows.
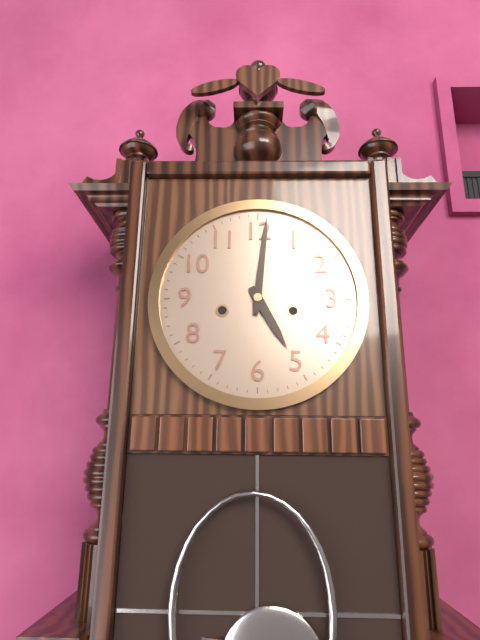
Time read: **5:01**
